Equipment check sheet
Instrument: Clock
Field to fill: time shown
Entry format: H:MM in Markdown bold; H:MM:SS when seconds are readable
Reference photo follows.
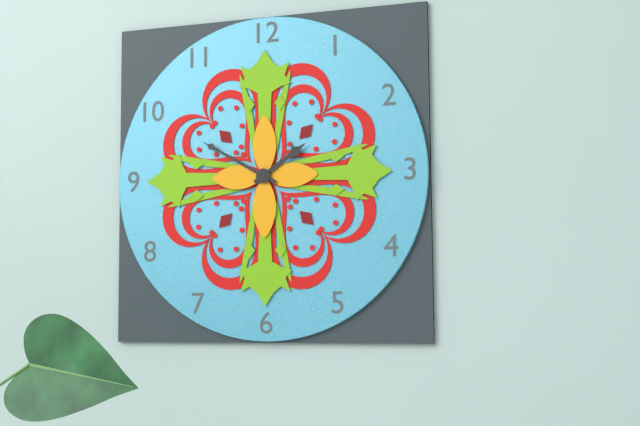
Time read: **1:50**
